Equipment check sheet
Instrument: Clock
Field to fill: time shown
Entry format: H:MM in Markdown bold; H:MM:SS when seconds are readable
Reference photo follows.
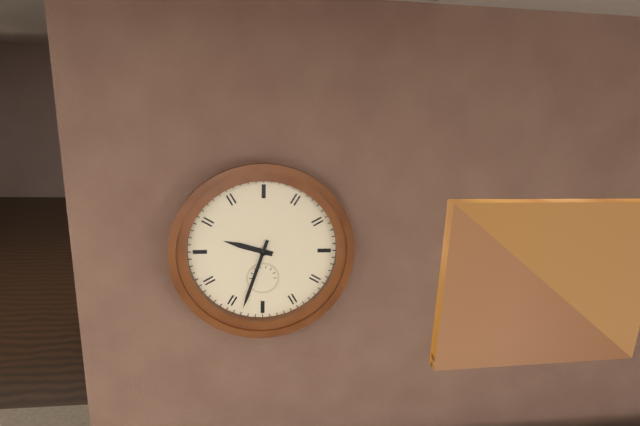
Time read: **9:33**
